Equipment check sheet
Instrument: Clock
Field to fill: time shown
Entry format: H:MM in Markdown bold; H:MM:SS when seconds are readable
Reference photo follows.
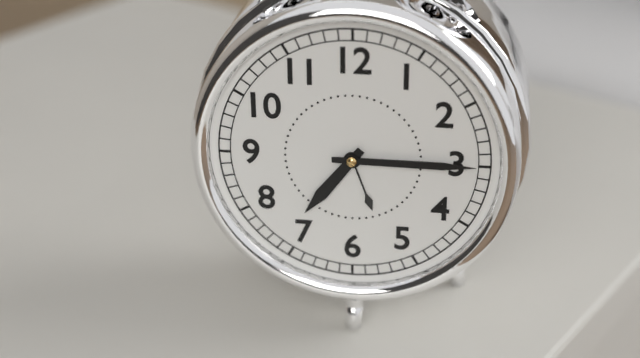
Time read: **7:15**
